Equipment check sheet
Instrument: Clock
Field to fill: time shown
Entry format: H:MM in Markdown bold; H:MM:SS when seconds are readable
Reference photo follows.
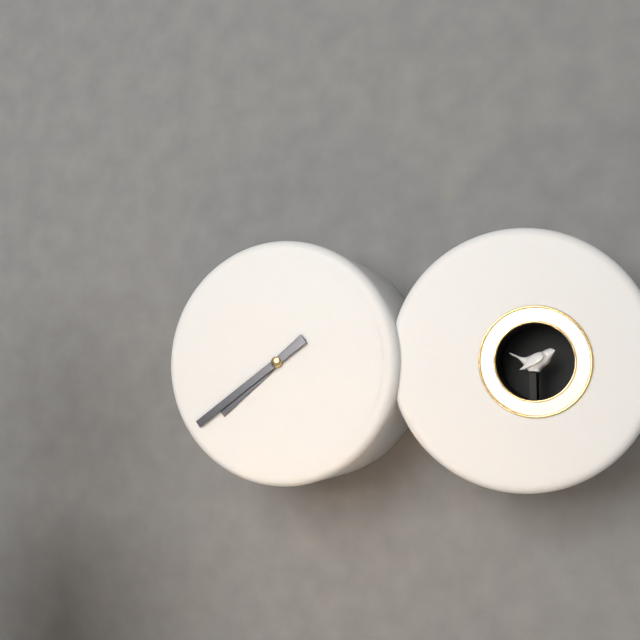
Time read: **7:39**
